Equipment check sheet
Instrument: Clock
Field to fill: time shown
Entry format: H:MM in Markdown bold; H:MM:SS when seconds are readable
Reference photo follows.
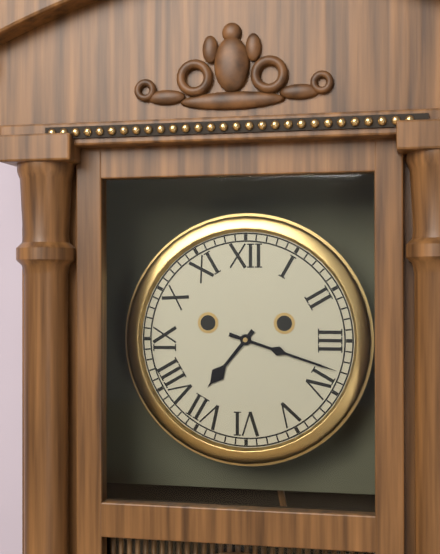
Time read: **7:18**
